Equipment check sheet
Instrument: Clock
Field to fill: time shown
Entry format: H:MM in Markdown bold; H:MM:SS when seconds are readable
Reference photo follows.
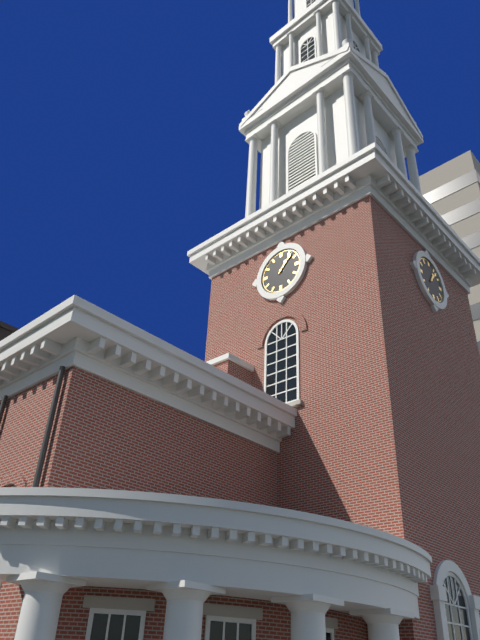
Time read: **1:07**
